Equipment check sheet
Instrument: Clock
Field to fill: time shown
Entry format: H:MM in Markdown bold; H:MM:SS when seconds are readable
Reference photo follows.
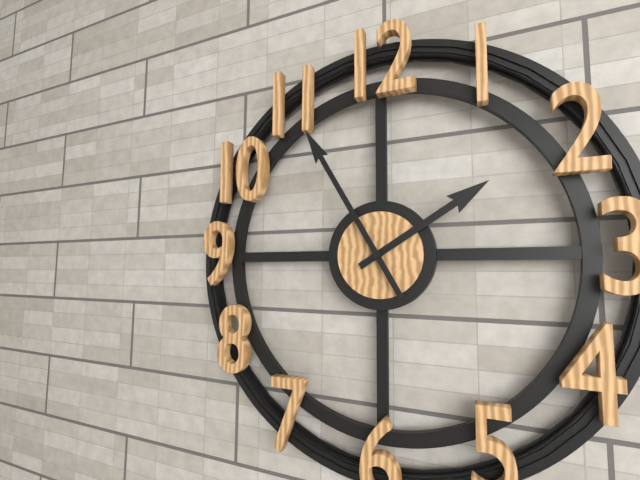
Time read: **1:55**
